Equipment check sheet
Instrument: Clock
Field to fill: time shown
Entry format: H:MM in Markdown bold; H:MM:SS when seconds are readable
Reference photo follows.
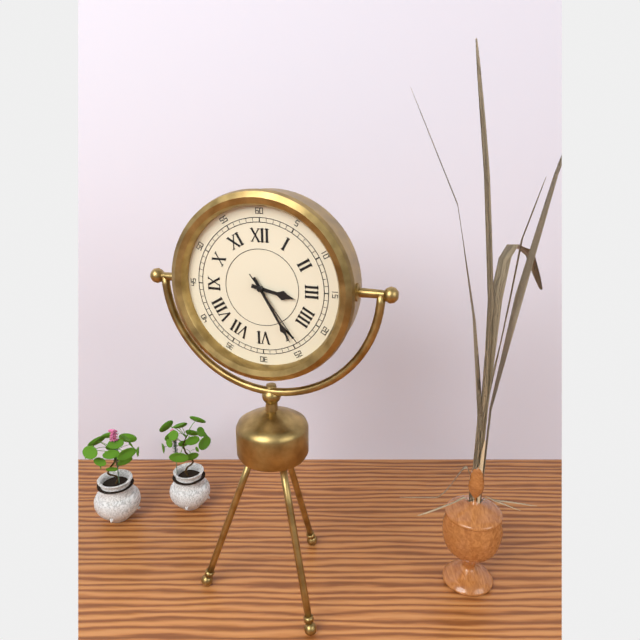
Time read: **3:25:24**
